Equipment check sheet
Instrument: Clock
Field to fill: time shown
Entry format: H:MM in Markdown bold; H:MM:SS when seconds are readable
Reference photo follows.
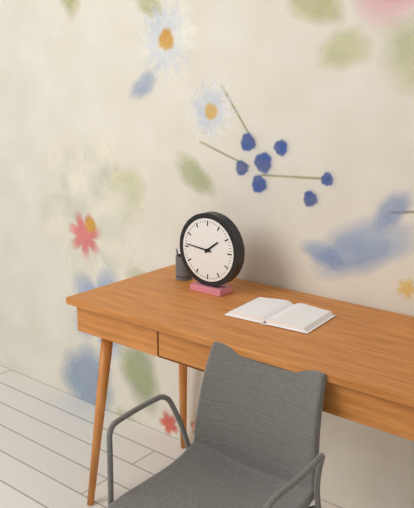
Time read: **1:46**
